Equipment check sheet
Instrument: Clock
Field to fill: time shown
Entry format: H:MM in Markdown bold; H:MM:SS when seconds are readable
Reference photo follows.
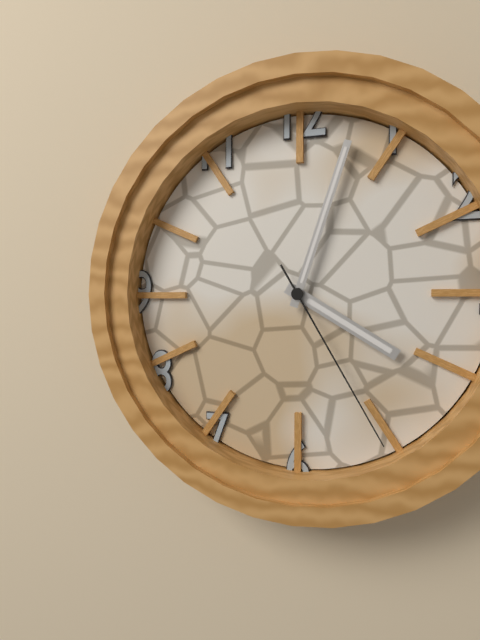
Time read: **4:03:25**
